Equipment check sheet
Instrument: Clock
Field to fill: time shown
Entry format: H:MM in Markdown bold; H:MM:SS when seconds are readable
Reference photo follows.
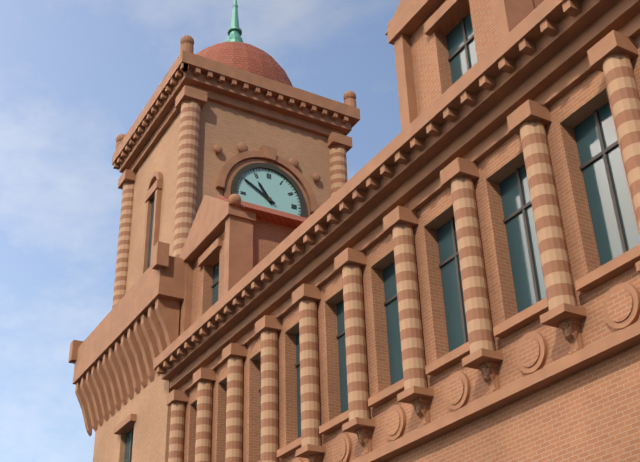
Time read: **10:50**
